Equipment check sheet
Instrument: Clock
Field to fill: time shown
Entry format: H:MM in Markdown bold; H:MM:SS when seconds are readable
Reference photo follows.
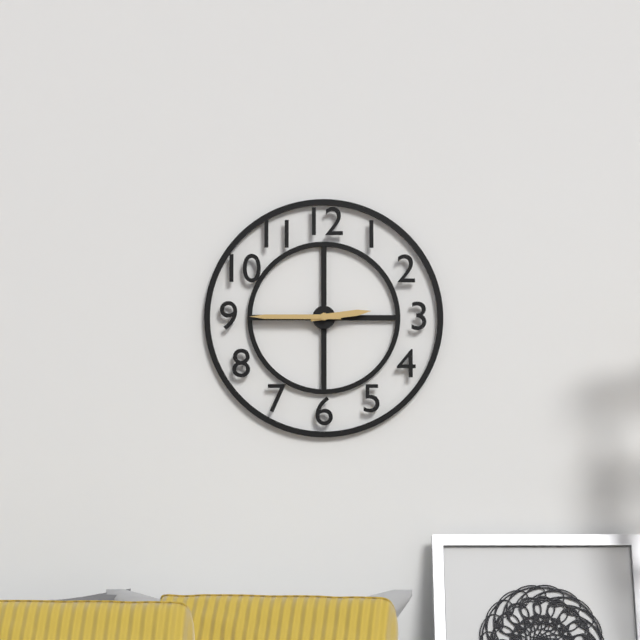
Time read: **2:45**
